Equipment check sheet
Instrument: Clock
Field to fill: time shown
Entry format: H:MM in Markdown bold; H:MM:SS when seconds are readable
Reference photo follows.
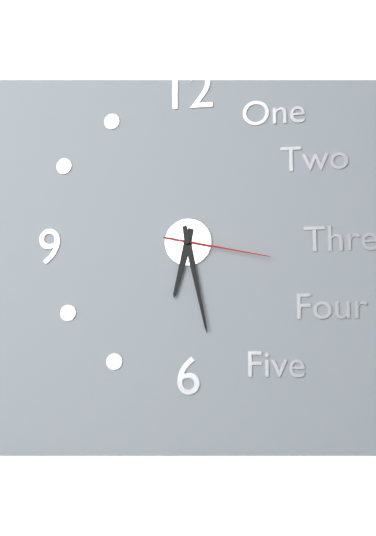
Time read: **6:28:17**
